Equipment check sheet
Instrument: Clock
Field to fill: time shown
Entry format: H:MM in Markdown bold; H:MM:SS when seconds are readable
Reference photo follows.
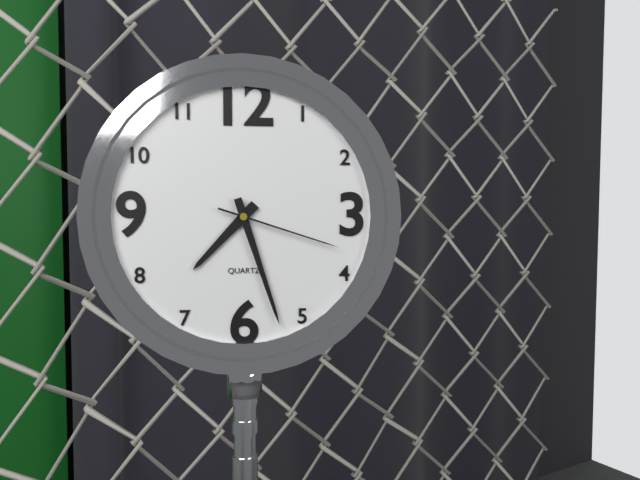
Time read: **7:27:18**
